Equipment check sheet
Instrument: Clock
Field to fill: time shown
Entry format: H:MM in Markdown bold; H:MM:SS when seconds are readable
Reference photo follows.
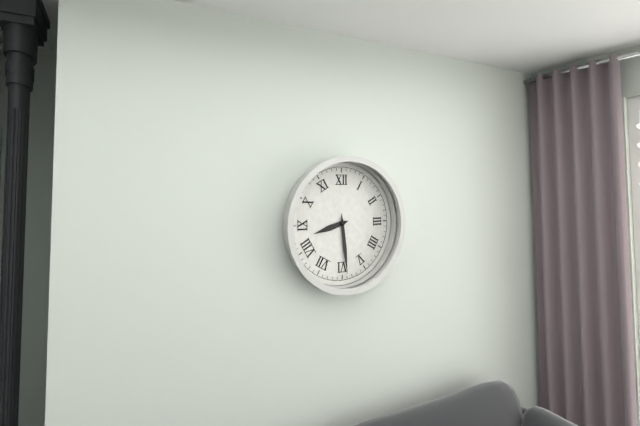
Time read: **8:29**
